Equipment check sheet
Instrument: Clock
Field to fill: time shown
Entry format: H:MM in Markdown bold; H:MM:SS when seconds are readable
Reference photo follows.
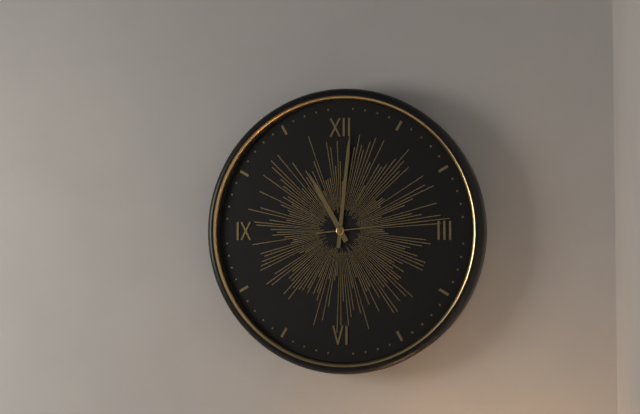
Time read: **11:01:14**
